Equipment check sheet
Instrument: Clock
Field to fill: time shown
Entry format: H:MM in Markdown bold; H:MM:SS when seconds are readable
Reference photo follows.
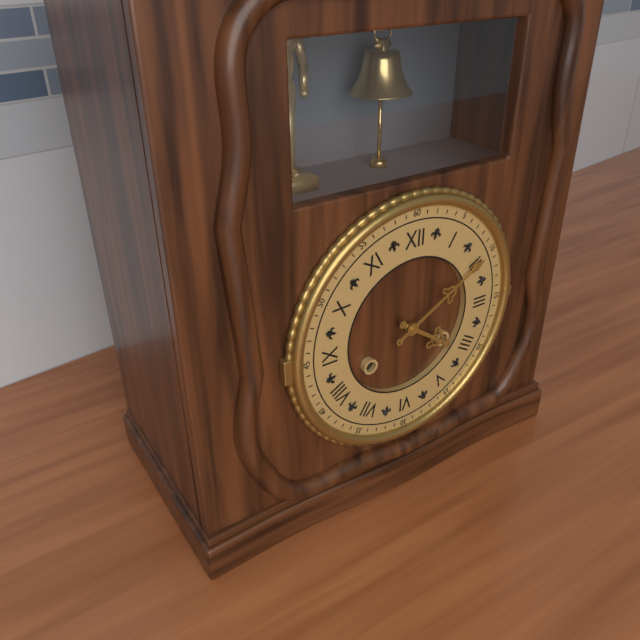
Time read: **4:10**
